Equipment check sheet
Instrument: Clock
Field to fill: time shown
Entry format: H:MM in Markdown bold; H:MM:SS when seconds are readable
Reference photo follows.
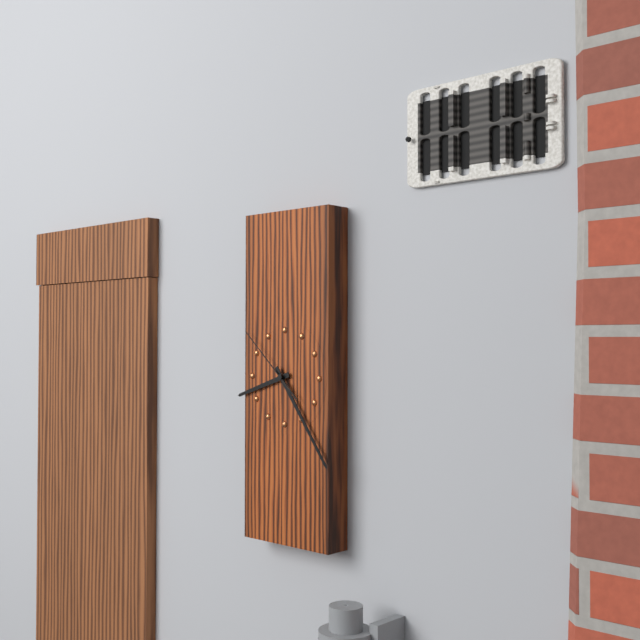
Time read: **8:24:52**
